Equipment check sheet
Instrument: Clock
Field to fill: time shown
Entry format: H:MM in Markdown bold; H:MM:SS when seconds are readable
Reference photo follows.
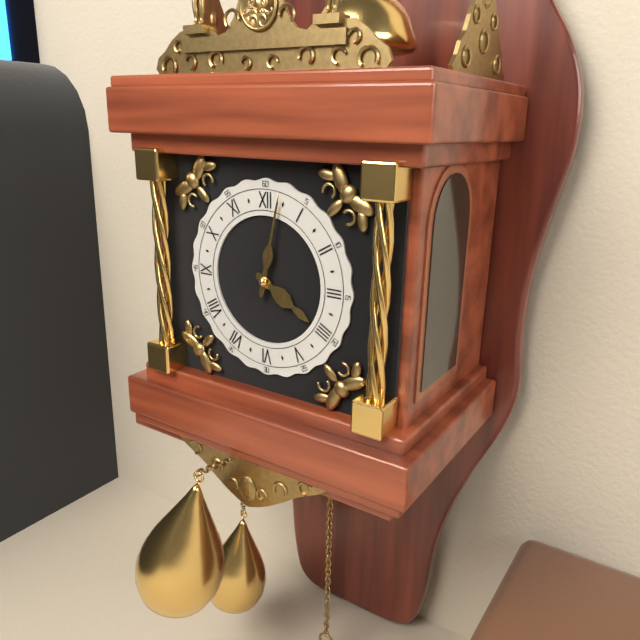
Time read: **4:02**
